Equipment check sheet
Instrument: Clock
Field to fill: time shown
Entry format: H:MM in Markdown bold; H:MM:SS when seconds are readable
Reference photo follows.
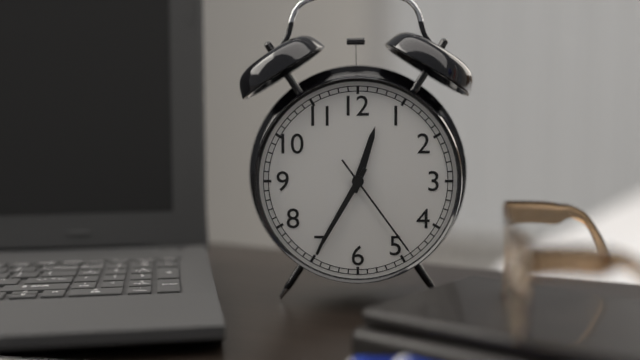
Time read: **12:35:24**
